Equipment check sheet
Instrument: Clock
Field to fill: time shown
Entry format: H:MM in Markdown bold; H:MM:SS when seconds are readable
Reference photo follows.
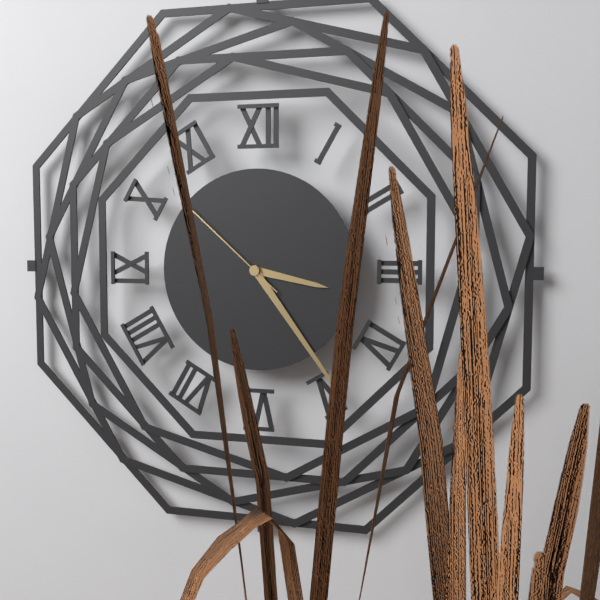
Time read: **3:24:52**
